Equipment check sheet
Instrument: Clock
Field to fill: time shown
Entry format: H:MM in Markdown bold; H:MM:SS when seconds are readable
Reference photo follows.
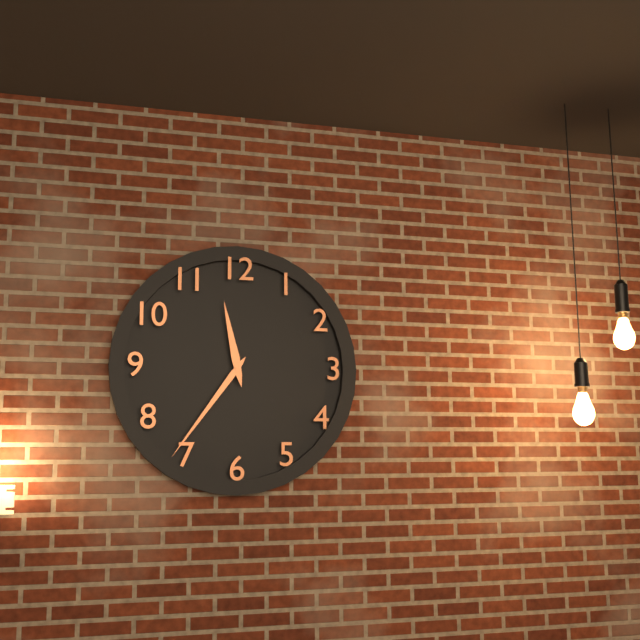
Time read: **11:36**
